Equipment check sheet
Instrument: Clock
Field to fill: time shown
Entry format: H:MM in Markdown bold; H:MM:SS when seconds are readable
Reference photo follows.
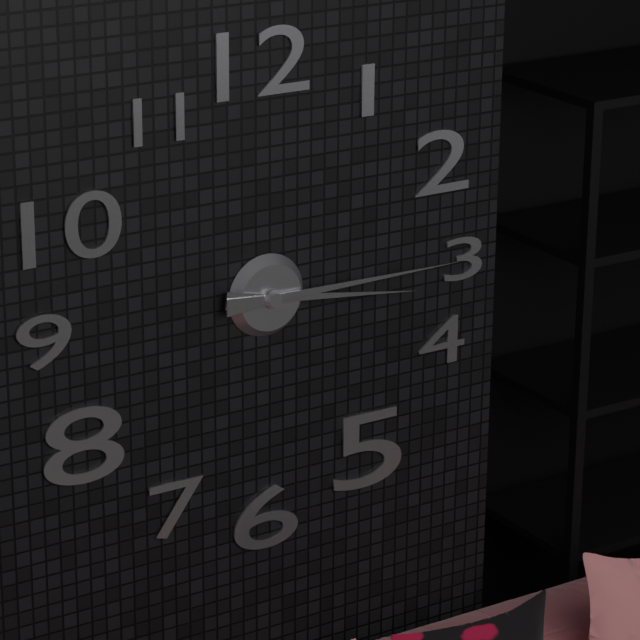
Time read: **3:15**
